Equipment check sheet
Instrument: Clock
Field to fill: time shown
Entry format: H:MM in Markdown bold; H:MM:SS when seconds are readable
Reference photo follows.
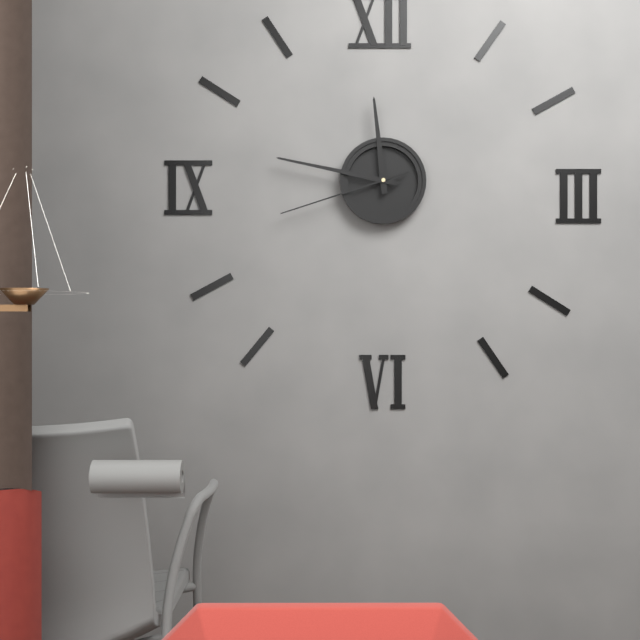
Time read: **11:47:42**
